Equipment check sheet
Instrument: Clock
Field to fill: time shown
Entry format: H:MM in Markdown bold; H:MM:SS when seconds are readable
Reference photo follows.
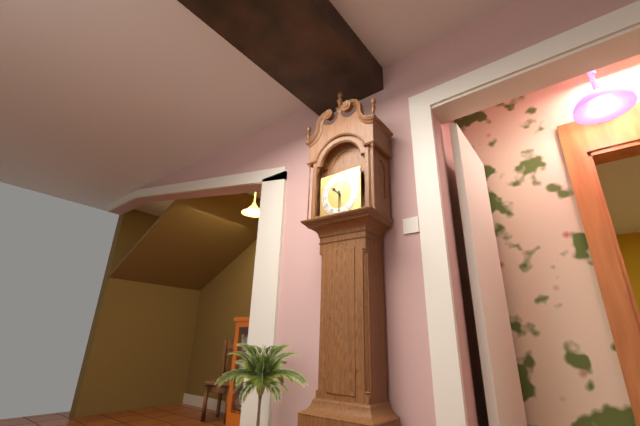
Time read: **10:30**
